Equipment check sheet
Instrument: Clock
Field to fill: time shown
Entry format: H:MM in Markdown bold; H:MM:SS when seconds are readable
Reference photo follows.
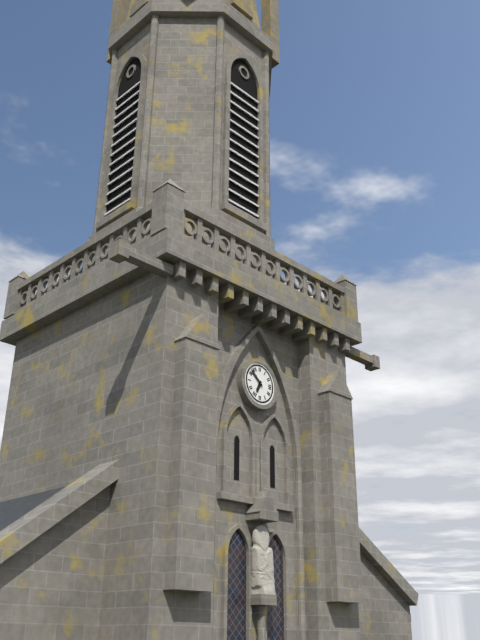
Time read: **6:52**
